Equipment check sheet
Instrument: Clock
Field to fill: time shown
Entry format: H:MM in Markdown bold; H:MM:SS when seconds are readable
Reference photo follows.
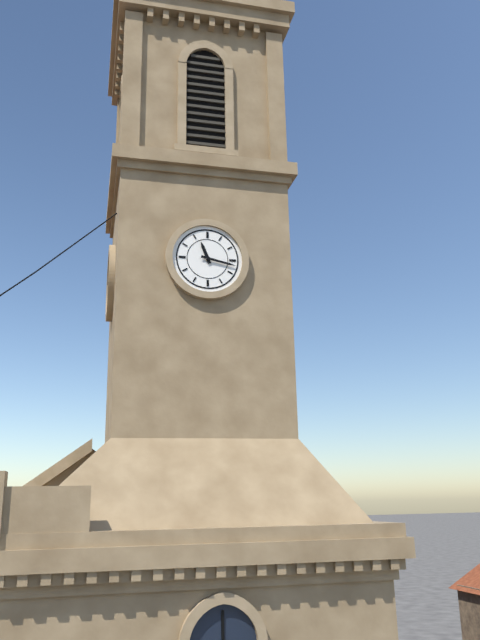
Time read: **11:17**
